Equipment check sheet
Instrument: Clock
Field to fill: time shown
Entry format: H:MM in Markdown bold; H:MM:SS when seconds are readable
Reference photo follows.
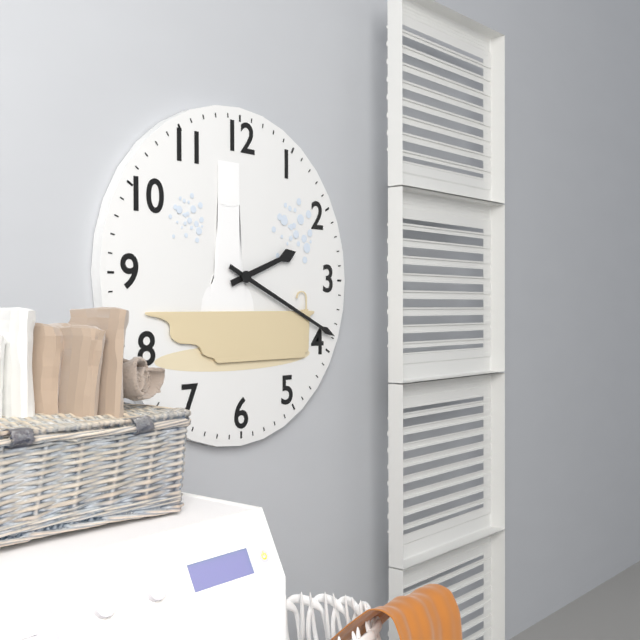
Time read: **2:19**
